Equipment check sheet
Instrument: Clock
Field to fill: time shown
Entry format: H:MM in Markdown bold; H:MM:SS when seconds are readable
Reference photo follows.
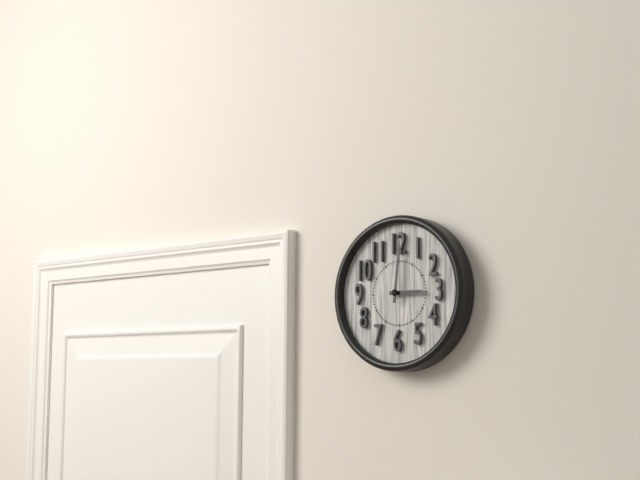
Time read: **3:01**
